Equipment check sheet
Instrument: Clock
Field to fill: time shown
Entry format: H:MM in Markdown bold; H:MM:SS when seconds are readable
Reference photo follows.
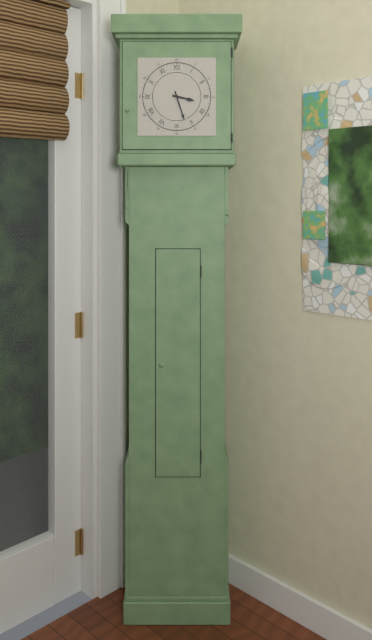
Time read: **3:27**
